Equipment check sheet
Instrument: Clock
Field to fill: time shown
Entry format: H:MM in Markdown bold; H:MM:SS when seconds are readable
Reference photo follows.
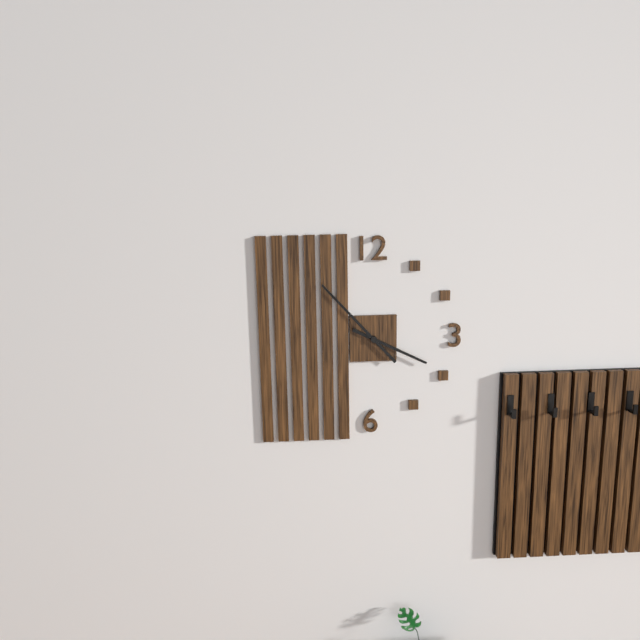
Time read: **3:53**
